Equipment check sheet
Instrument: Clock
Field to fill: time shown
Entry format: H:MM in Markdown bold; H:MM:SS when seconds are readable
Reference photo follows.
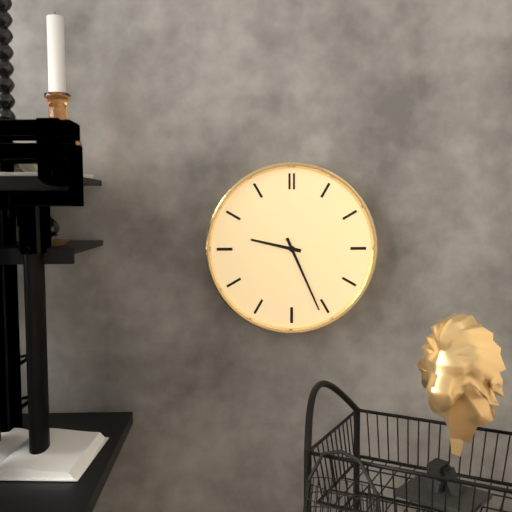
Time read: **9:26**
